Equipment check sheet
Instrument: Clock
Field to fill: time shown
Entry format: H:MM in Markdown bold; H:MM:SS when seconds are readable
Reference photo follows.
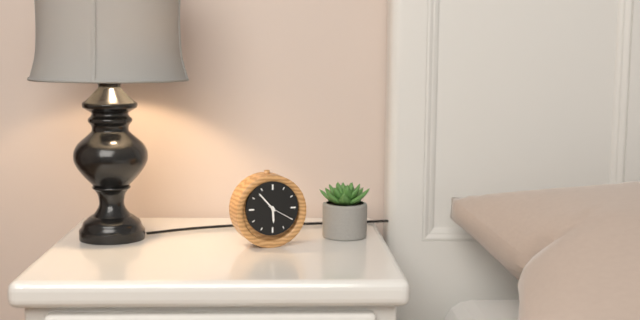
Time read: **5:53**
